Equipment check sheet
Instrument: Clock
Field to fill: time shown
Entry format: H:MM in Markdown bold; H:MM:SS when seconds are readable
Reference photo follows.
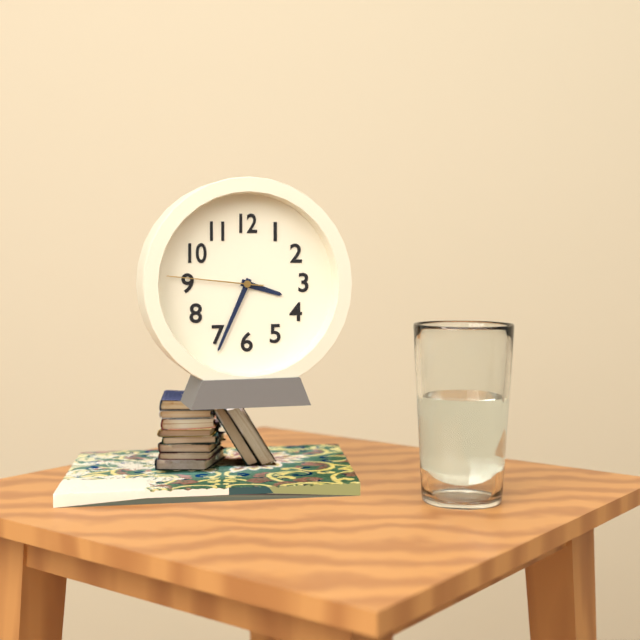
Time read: **3:34:46**
